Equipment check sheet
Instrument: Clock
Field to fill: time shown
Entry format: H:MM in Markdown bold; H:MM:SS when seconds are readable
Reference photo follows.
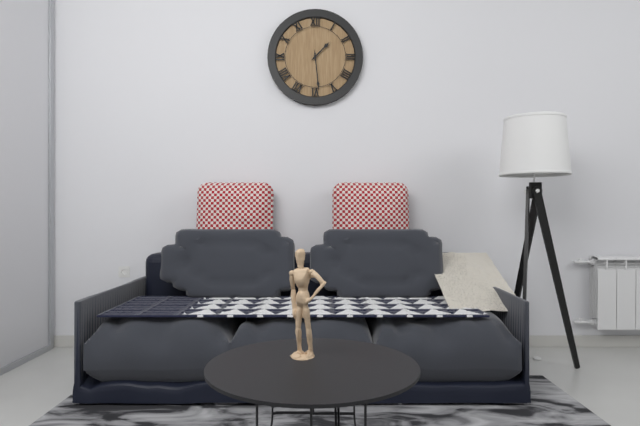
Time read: **1:29**
